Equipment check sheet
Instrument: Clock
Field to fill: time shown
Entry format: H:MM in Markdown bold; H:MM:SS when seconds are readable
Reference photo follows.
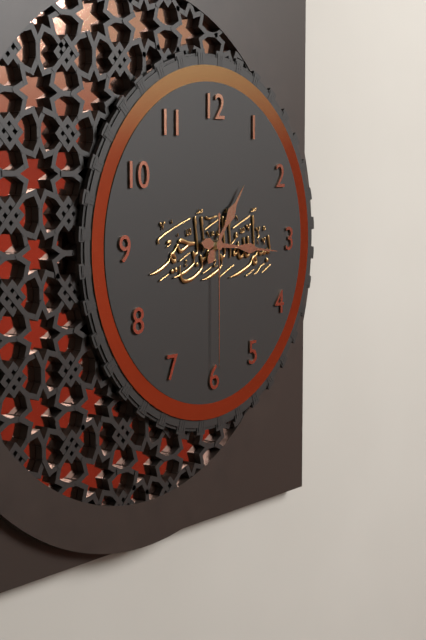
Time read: **1:16:30**
